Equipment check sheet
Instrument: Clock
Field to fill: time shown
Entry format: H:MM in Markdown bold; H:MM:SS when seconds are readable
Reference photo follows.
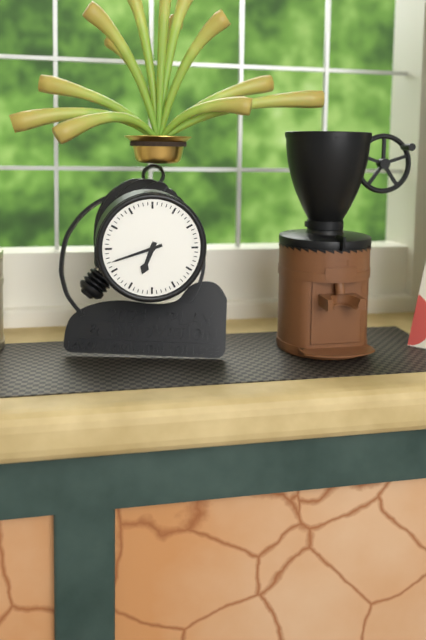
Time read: **6:42**
